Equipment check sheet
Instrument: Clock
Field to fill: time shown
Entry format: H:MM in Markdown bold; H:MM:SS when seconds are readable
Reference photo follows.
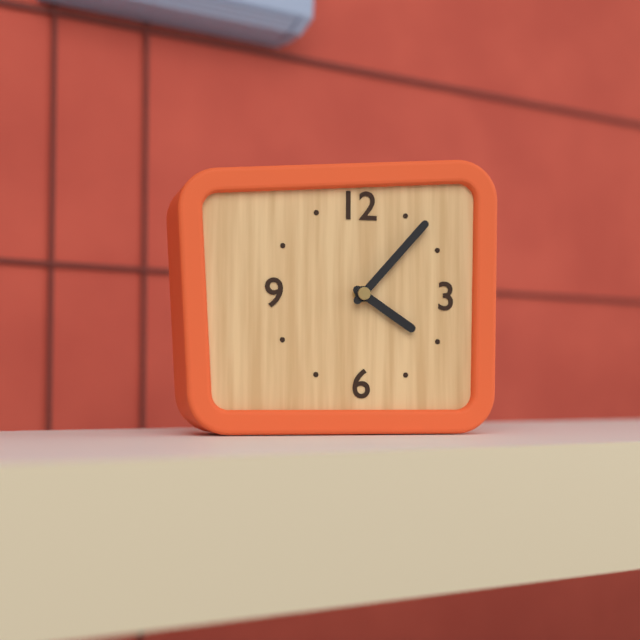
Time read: **4:07**
